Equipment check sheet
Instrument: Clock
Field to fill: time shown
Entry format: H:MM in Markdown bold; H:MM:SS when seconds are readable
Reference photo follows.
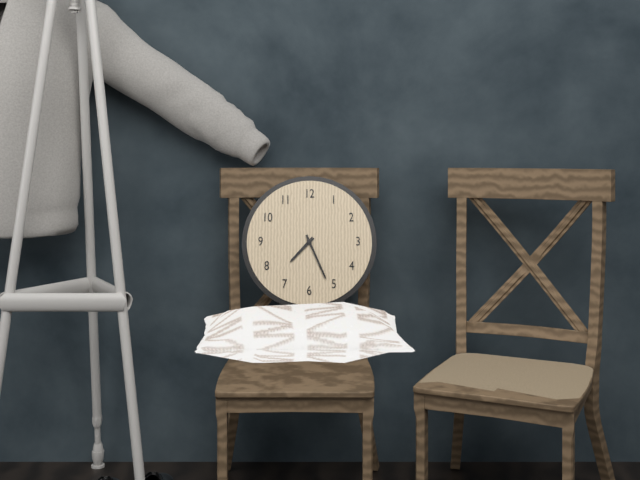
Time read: **7:26**
